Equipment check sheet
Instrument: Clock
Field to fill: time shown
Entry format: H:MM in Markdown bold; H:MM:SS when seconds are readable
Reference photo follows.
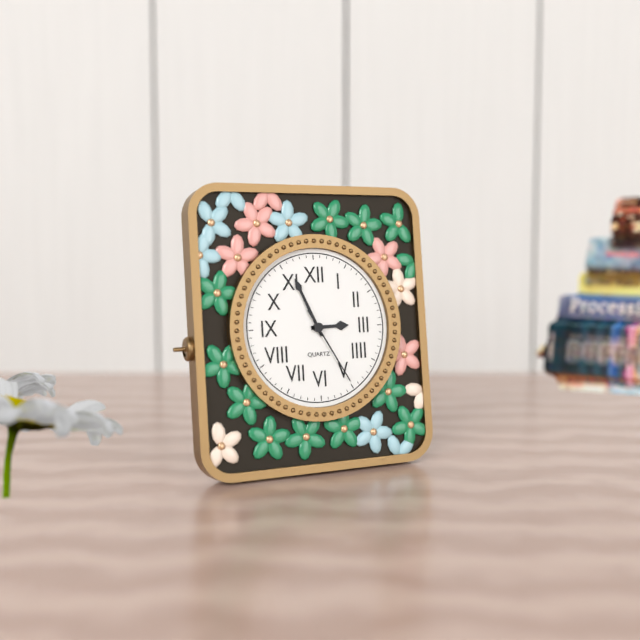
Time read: **2:56:25**
